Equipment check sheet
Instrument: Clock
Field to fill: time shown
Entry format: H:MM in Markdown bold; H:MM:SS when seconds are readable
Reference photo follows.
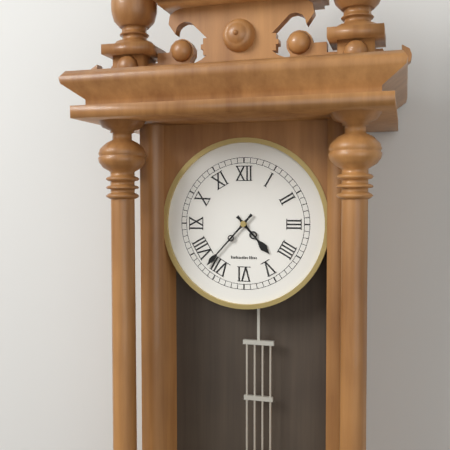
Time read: **4:37**
